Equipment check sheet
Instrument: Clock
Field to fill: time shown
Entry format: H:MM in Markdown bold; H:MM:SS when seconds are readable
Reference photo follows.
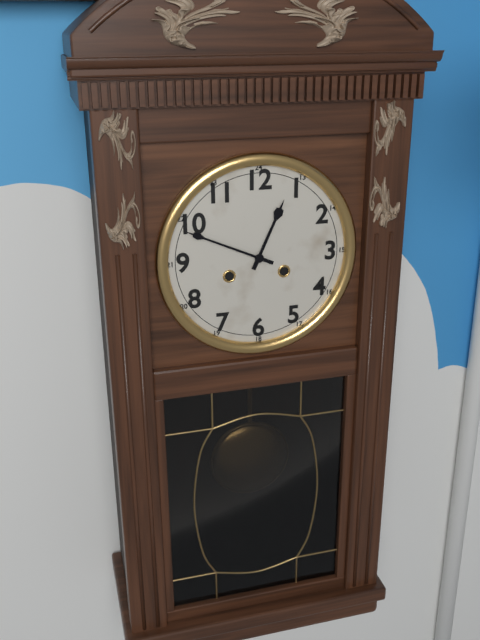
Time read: **12:49**
